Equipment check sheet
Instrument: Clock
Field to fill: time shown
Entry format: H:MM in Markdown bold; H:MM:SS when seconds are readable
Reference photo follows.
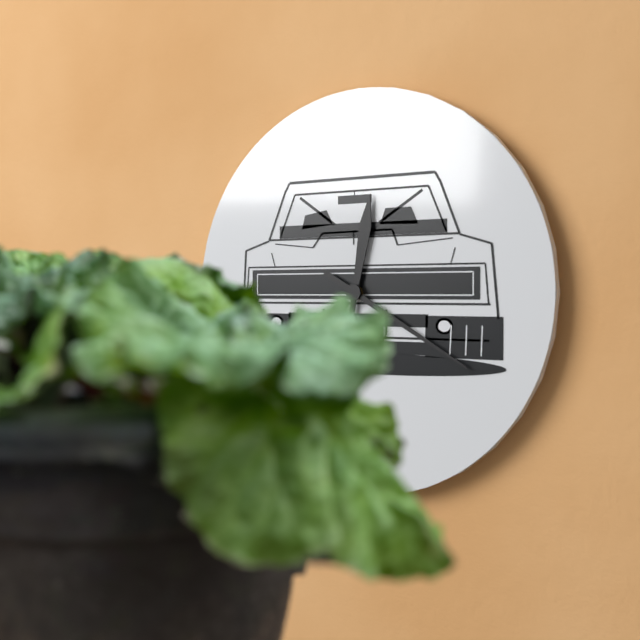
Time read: **12:20**
